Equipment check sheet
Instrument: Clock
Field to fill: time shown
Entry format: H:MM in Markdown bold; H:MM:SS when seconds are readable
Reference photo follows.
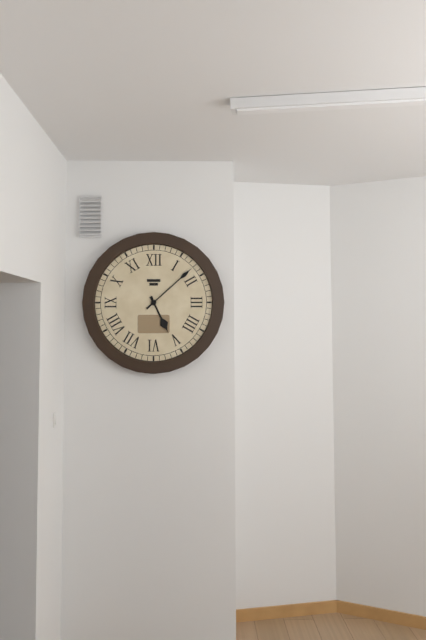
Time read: **5:08**
